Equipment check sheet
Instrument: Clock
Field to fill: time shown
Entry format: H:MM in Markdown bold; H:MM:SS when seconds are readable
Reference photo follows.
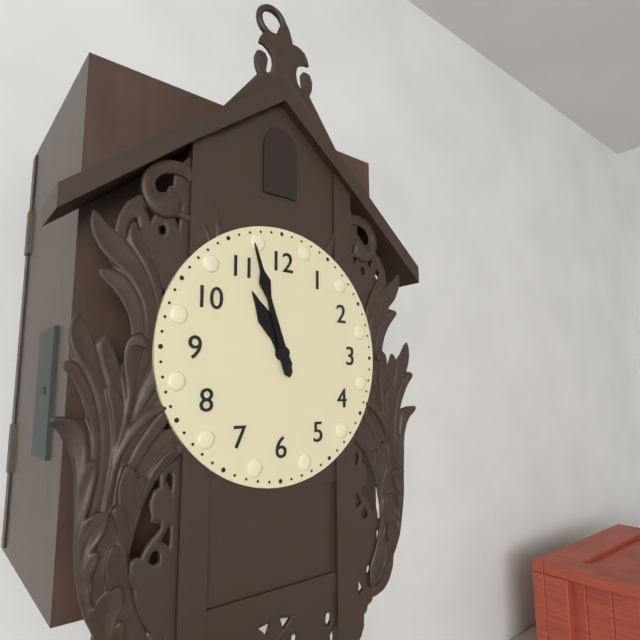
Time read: **10:57**
